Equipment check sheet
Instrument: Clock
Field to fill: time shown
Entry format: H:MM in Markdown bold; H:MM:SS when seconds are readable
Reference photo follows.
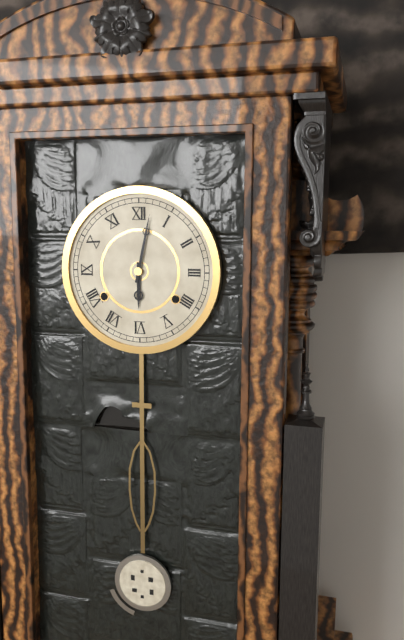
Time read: **6:02**
